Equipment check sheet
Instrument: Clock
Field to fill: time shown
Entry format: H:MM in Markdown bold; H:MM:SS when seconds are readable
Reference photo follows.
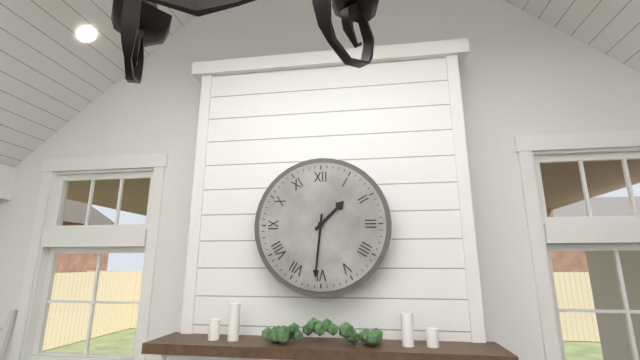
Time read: **1:31**
